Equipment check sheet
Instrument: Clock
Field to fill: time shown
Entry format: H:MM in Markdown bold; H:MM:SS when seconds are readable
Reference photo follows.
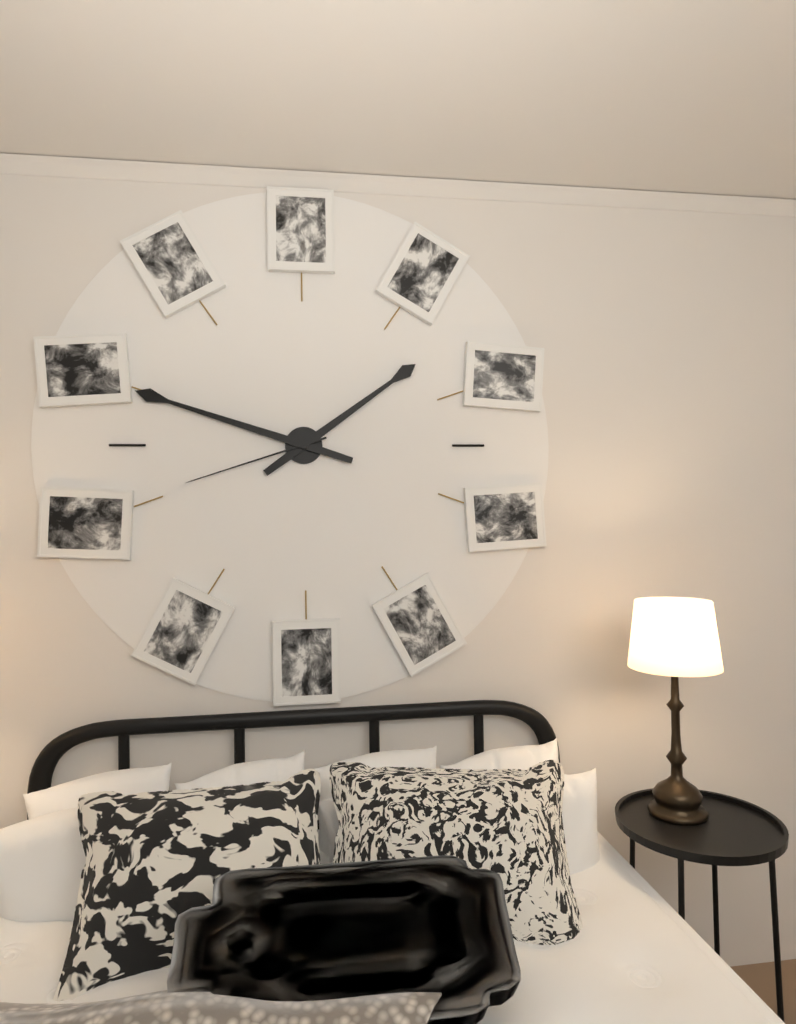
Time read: **1:48:42**
